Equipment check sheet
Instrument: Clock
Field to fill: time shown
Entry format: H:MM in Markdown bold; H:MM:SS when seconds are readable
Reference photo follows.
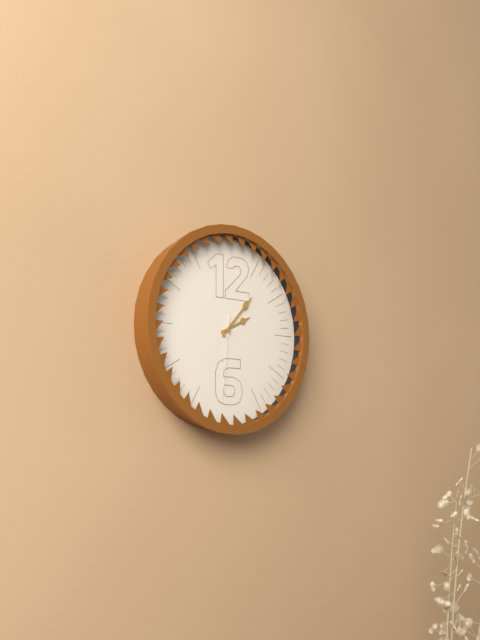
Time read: **2:07:31**
